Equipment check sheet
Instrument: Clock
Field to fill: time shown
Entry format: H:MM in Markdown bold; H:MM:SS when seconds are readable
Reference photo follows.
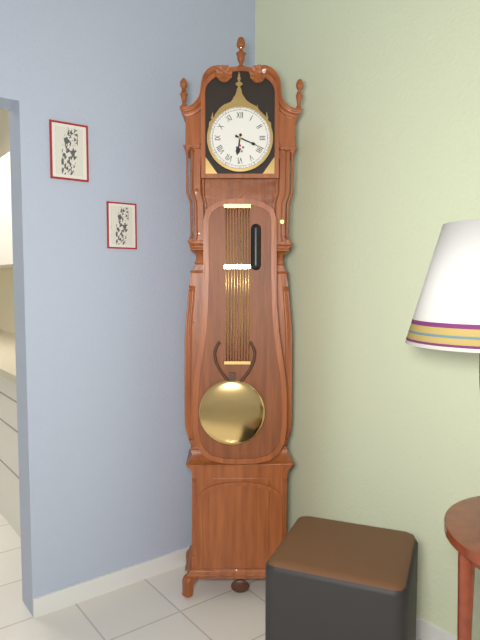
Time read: **6:19**
